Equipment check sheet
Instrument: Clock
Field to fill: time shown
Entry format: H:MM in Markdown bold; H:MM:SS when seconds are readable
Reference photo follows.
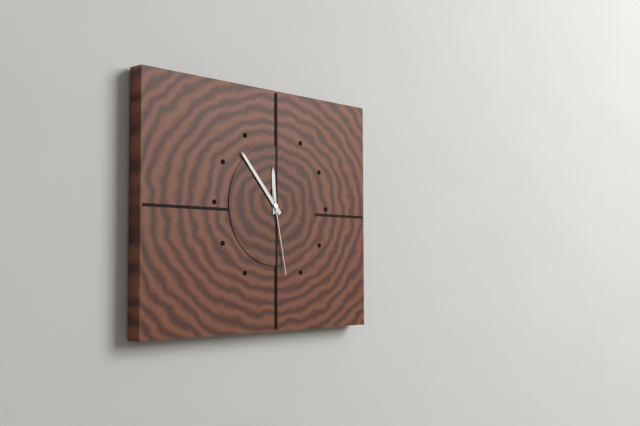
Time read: **11:53:28**
